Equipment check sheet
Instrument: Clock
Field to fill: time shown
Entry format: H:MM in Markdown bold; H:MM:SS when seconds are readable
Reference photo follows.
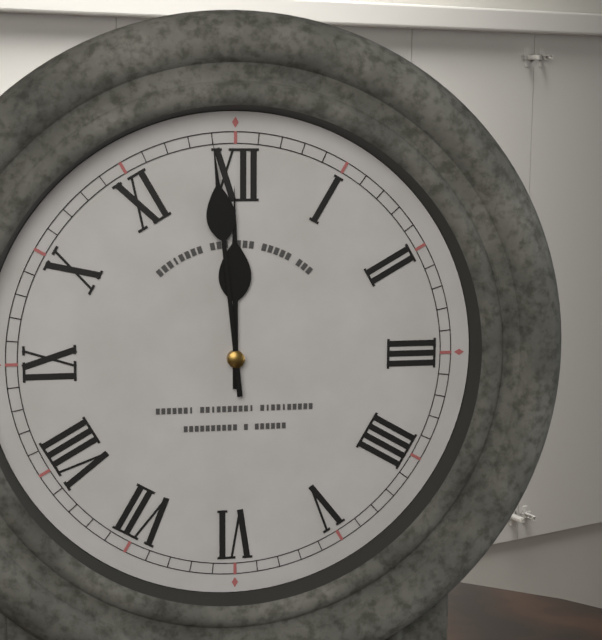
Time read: **11:59**
